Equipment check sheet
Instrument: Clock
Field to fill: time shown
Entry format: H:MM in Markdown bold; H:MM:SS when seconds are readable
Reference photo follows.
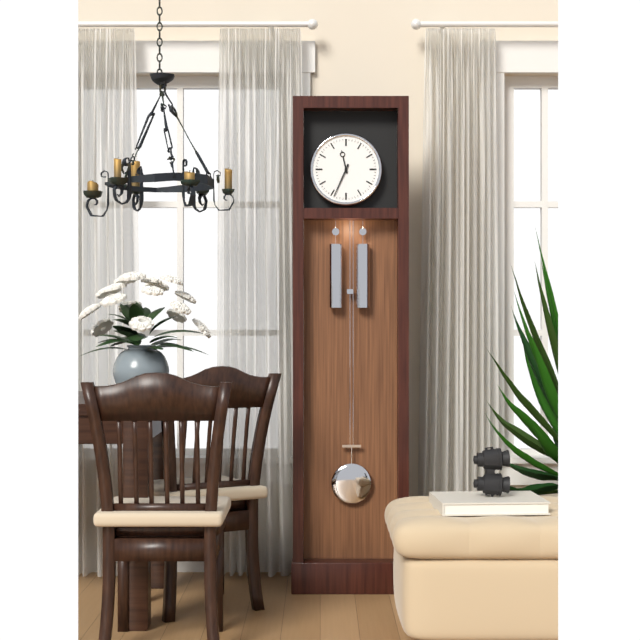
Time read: **11:34**
